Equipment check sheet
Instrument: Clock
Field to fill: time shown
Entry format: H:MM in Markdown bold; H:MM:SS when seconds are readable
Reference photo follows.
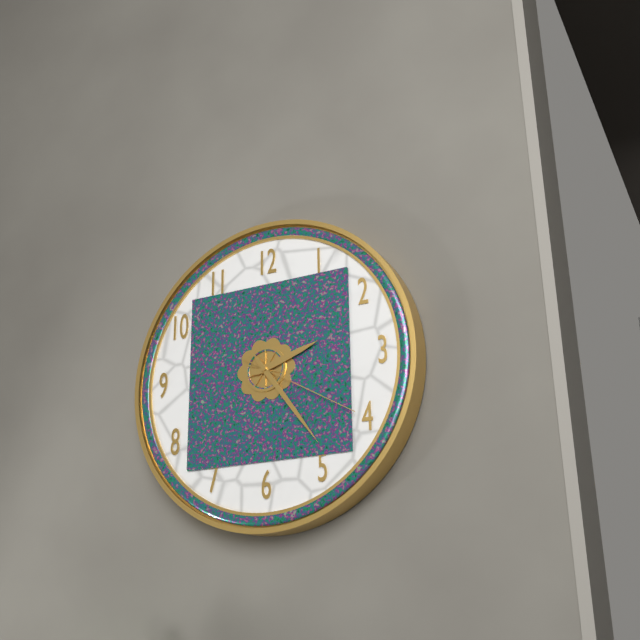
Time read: **2:24:20**
